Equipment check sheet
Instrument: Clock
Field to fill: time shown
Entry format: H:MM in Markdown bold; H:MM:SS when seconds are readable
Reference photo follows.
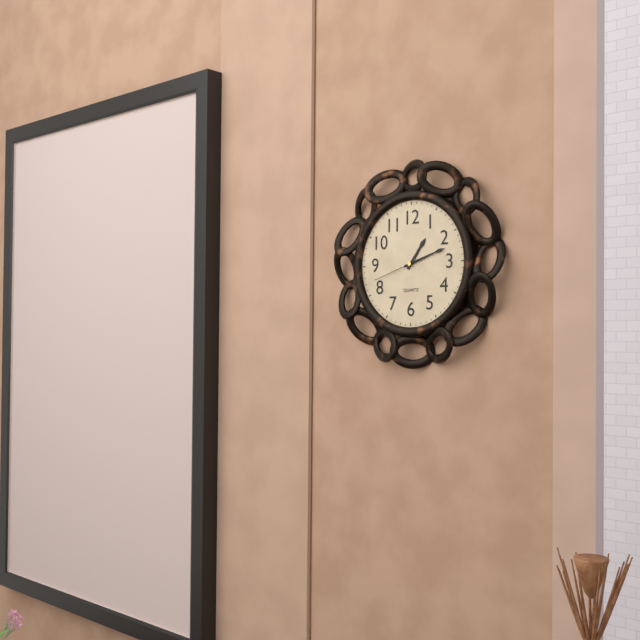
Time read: **1:12**
